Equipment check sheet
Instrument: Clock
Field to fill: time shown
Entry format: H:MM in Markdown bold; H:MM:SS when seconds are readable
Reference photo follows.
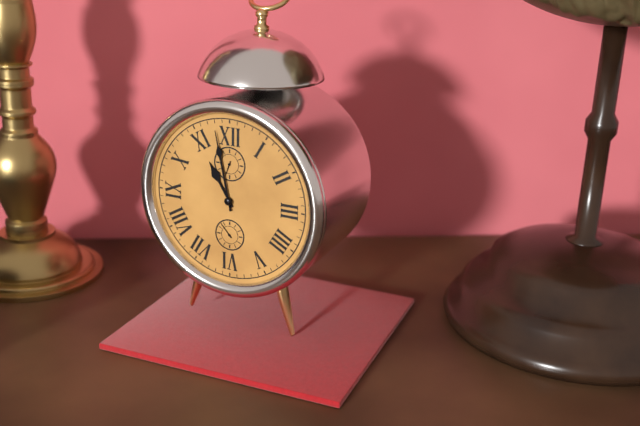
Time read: **10:58**
